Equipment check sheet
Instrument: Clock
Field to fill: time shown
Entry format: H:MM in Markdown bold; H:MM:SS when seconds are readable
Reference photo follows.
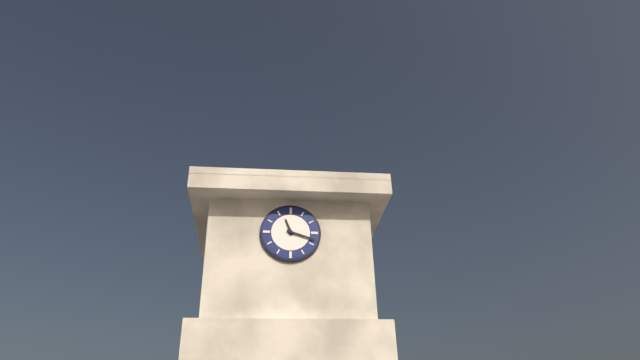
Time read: **11:18**
